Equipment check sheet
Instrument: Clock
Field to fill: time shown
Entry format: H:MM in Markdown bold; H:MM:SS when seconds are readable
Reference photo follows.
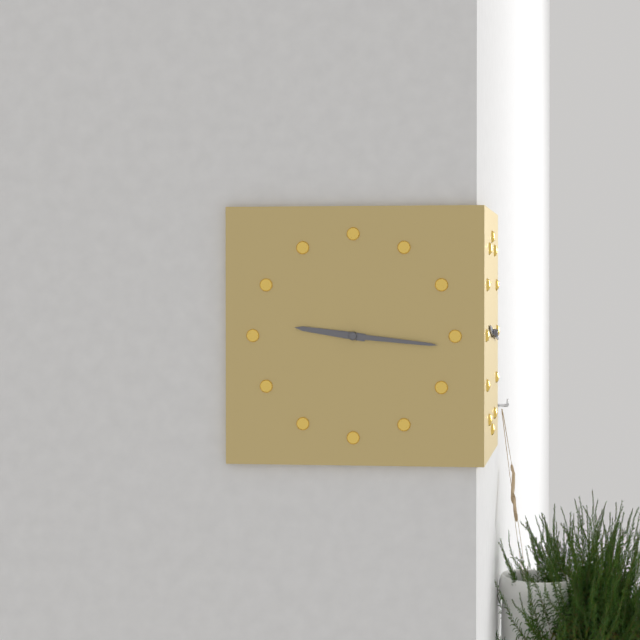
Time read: **9:16**
